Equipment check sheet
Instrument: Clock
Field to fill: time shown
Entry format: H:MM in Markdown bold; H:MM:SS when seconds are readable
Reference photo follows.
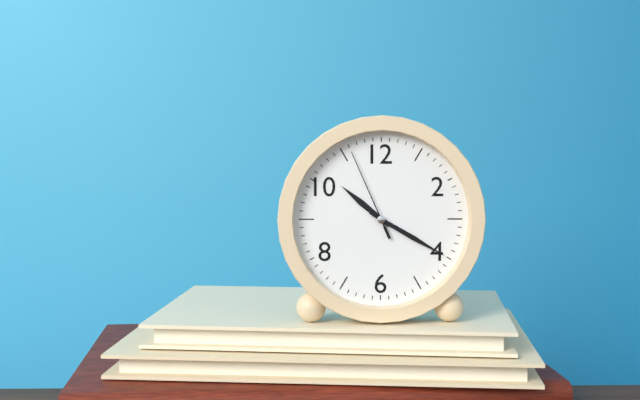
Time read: **10:20:56**
